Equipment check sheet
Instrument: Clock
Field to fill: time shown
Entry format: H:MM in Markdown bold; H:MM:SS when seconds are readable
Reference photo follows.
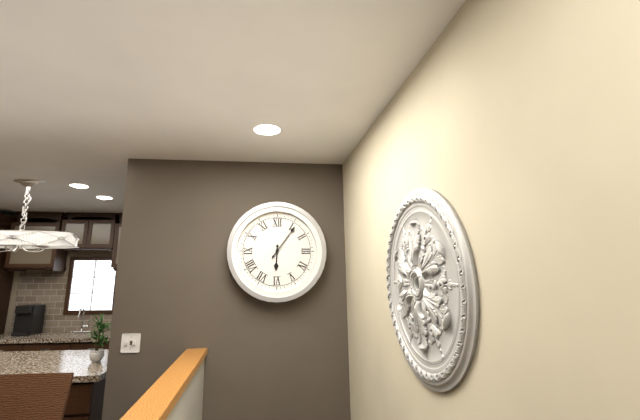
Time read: **6:06**
